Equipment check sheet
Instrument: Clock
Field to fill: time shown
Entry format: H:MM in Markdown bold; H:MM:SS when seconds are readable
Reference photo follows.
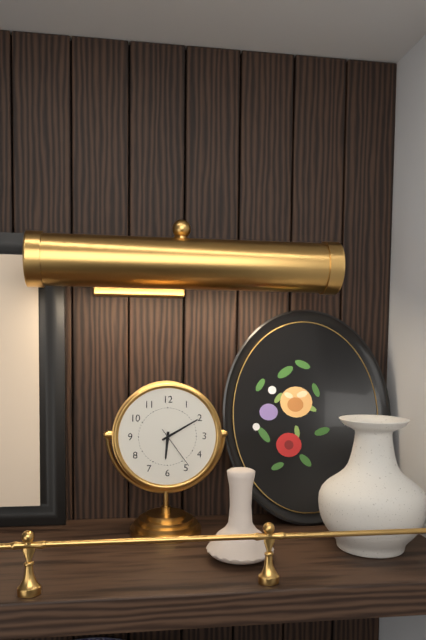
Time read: **6:10**
